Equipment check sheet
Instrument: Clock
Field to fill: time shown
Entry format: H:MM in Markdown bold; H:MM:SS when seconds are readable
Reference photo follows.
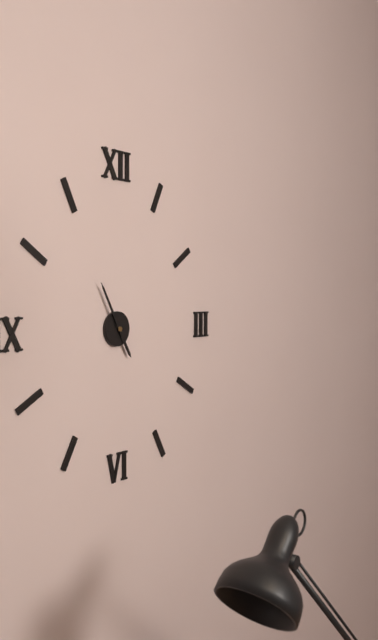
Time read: **4:55**
